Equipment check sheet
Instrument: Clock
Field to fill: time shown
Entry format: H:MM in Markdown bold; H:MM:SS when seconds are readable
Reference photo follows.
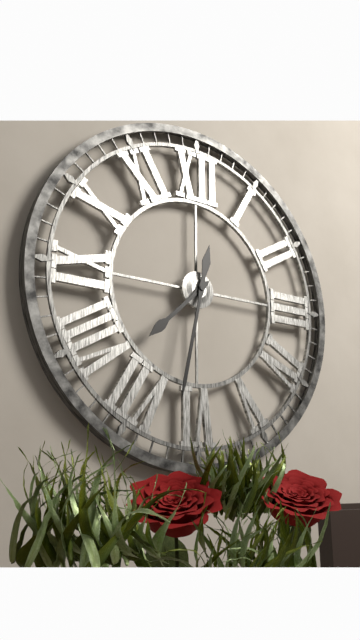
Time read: **7:32**
